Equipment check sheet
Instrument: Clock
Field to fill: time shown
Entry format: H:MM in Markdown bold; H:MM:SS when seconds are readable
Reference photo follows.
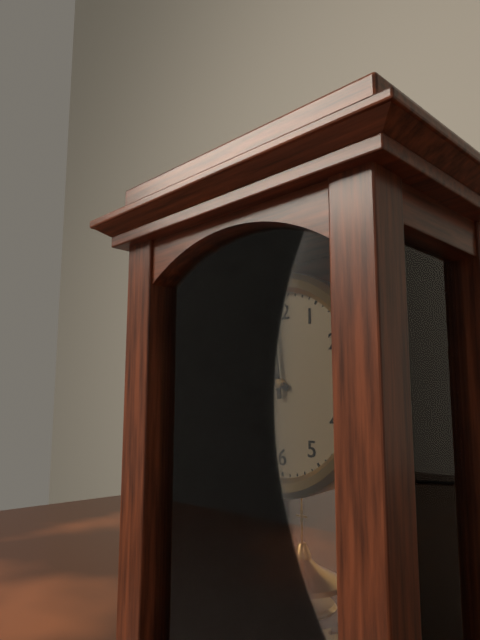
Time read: **9:59**
